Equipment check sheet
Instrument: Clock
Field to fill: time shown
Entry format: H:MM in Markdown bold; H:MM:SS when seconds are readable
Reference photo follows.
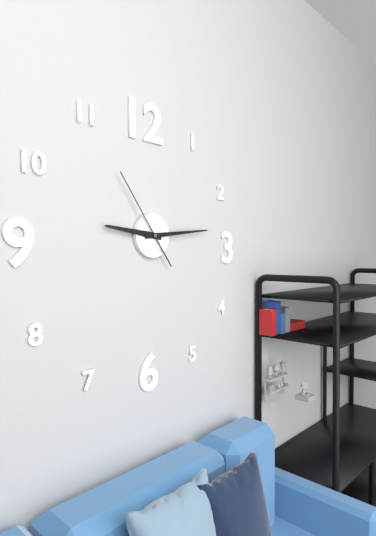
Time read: **9:14:54**
